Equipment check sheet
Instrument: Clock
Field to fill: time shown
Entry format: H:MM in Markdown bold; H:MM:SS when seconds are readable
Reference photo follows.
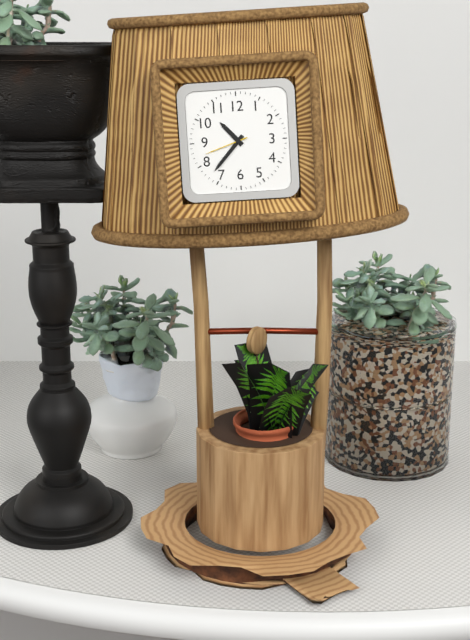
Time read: **10:37**
